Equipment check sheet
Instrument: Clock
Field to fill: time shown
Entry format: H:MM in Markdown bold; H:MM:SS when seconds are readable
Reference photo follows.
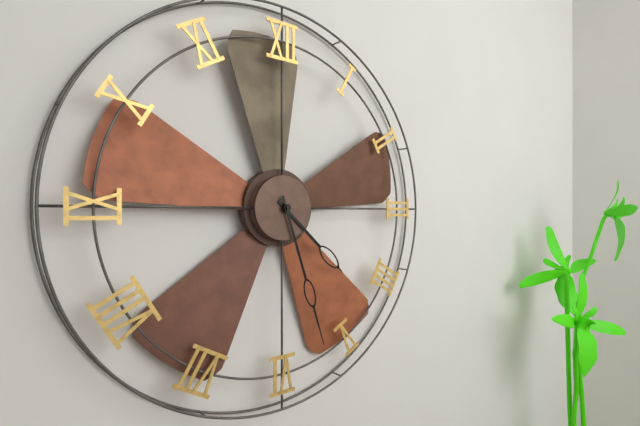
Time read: **4:27**
